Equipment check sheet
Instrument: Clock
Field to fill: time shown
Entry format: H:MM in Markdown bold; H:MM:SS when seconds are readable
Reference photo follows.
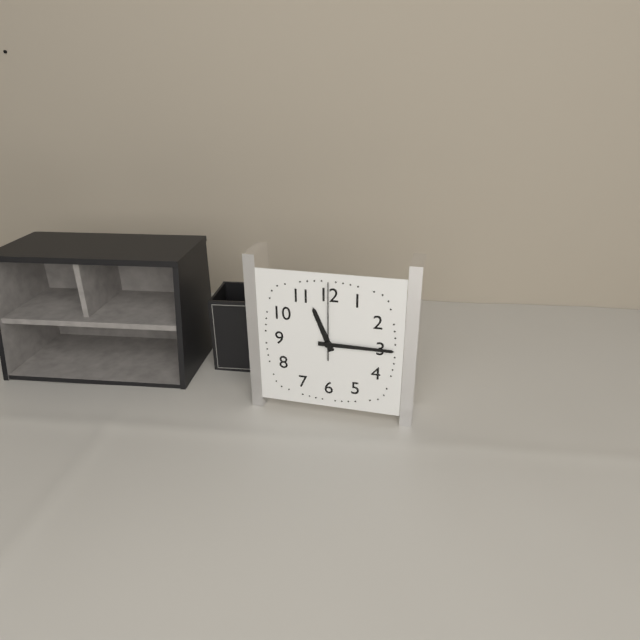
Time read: **11:15:00**
